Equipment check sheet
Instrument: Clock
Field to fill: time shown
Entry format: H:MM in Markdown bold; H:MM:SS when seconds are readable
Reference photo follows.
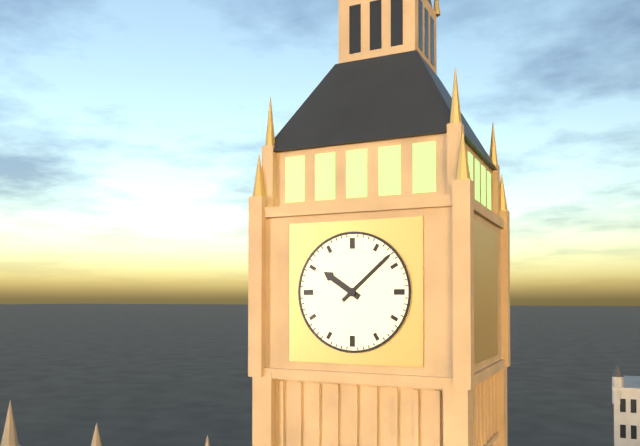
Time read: **10:08**
